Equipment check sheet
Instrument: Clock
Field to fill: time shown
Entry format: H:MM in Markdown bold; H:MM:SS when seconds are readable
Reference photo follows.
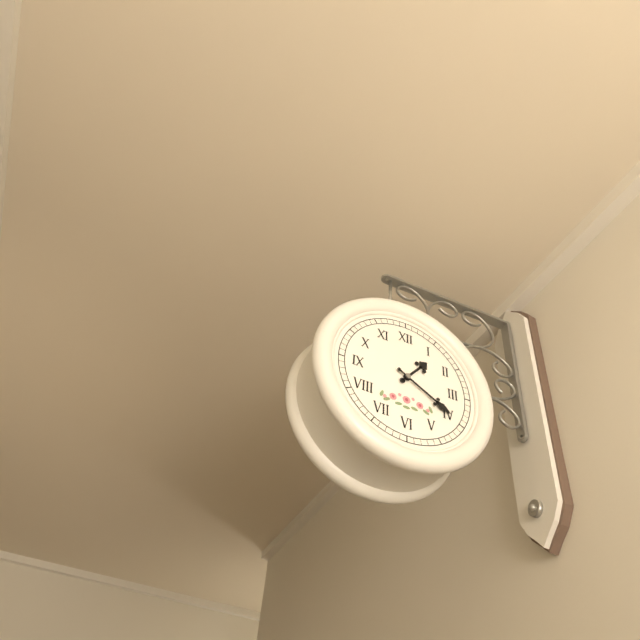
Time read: **1:20**
